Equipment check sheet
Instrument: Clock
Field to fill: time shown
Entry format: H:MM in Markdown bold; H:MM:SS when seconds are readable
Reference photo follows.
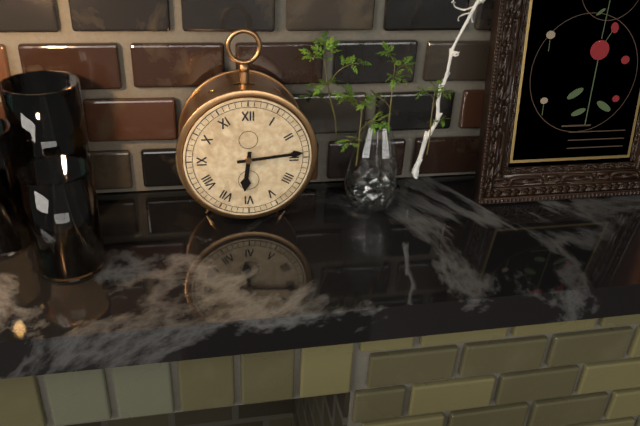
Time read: **6:14**
